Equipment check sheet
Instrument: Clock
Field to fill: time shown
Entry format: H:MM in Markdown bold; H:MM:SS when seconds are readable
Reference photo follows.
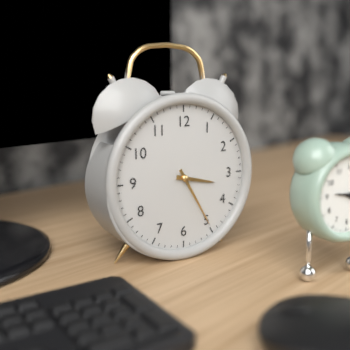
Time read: **3:25**
